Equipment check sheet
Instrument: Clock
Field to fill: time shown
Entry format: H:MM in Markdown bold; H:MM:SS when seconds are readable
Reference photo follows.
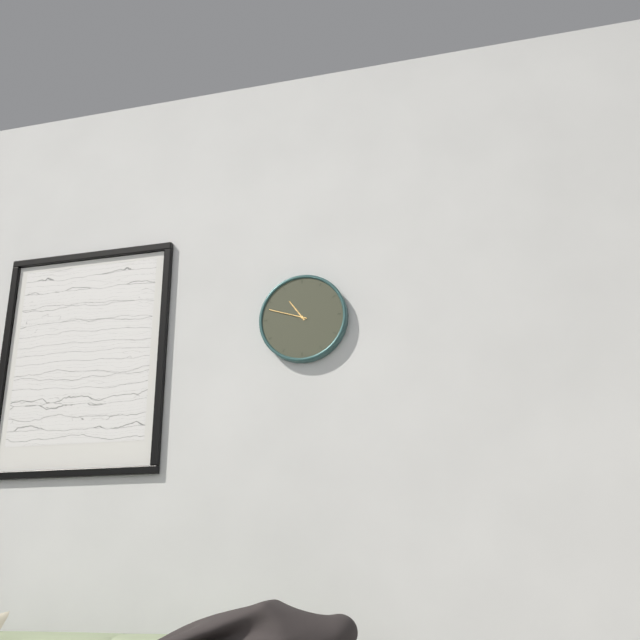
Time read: **10:48**
